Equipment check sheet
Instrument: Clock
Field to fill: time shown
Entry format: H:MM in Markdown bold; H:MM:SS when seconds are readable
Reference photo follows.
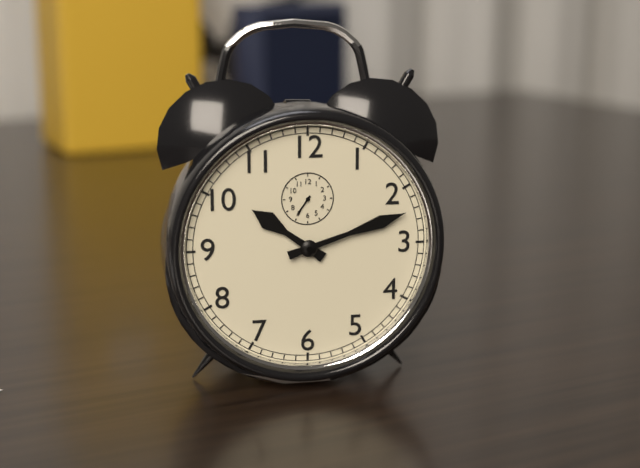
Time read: **10:12**
